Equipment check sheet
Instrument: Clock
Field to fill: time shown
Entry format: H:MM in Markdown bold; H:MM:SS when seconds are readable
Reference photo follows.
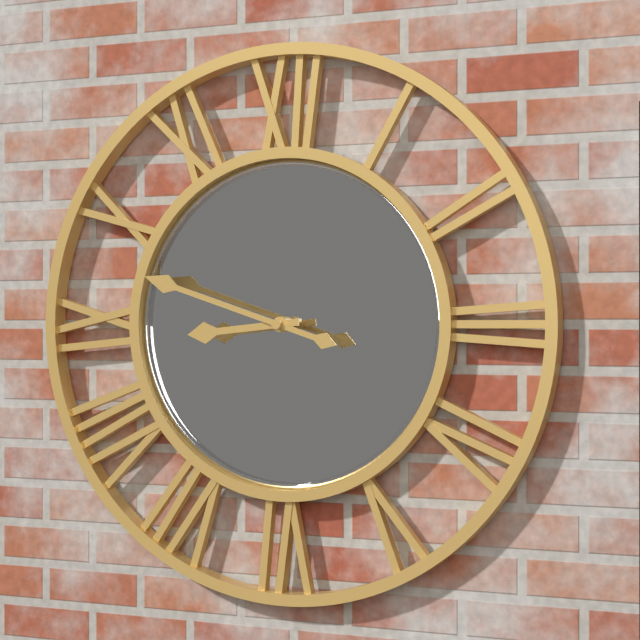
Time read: **8:48**
